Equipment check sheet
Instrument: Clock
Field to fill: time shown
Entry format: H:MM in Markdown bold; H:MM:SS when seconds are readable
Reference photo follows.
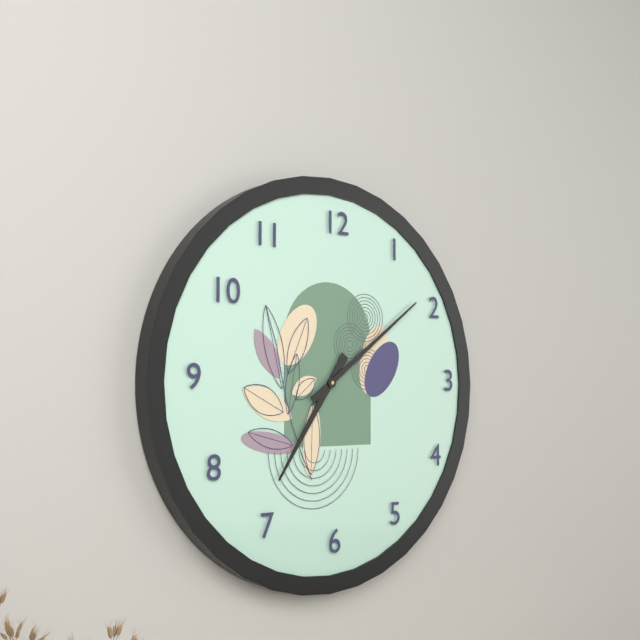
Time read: **7:09**
